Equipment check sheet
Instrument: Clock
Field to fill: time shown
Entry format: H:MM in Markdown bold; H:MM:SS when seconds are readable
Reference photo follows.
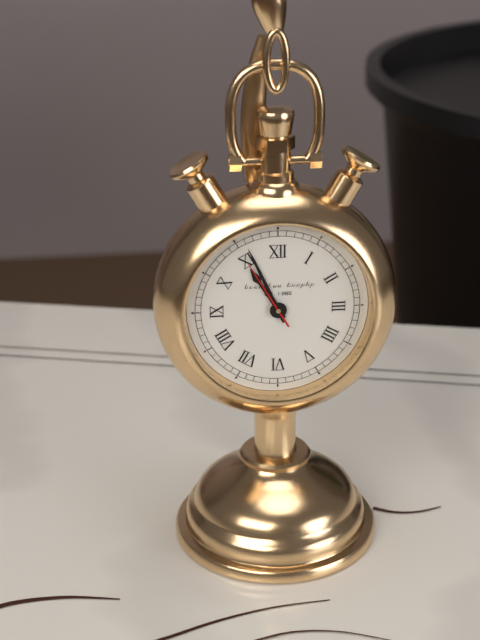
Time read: **10:56:55**
